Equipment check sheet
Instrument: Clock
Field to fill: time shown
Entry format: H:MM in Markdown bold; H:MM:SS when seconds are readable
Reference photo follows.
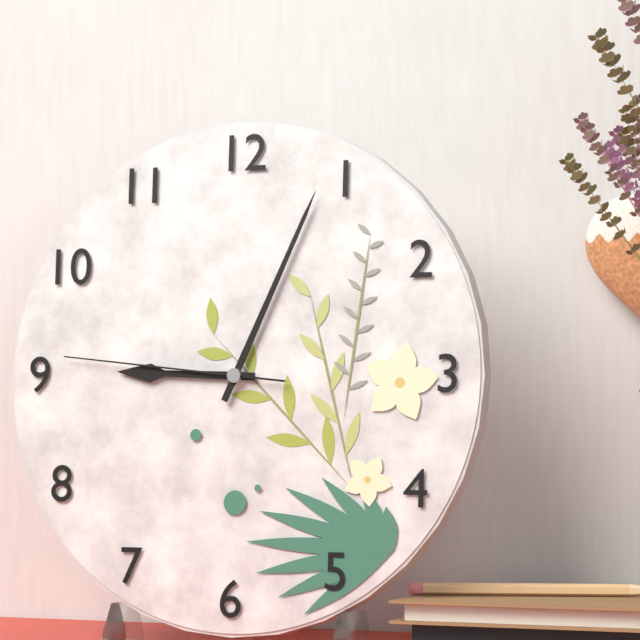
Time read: **9:04:46**
